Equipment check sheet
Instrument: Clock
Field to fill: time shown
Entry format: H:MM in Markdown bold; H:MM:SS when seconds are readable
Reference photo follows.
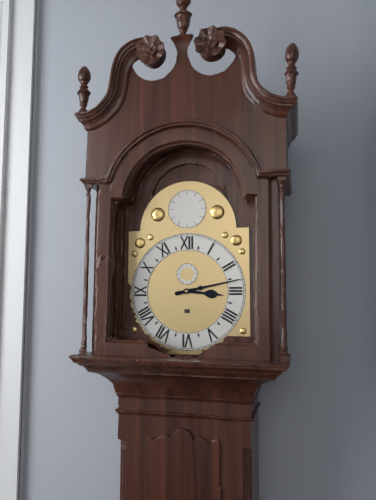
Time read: **3:13**
